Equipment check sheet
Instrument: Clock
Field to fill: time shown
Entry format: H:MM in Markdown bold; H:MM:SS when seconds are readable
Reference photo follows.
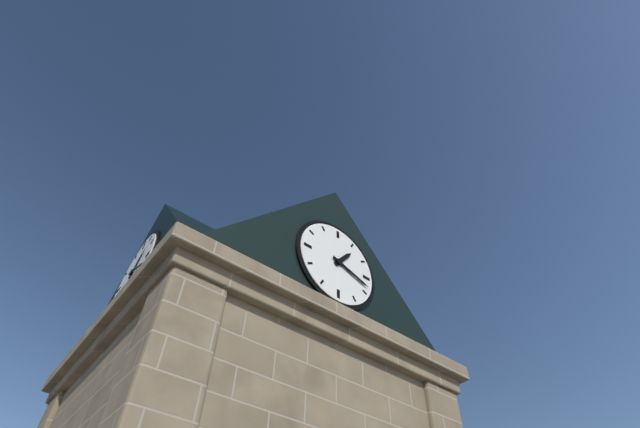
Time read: **1:18**
